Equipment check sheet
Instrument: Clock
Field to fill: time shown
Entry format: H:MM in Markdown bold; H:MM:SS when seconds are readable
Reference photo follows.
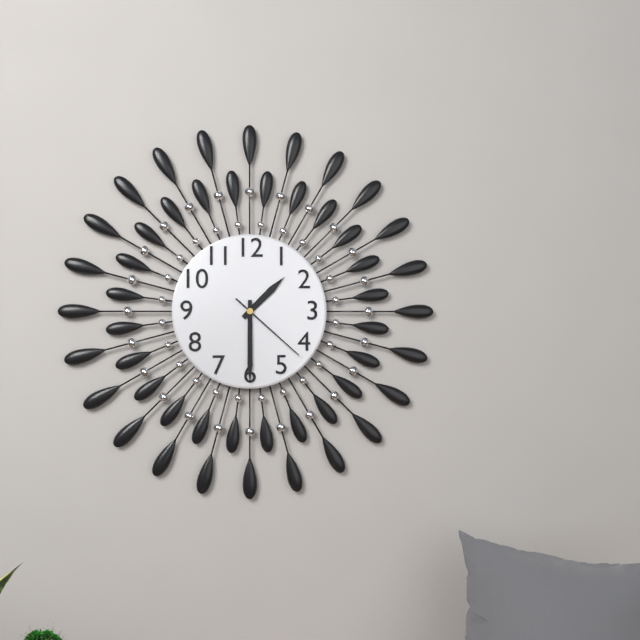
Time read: **1:30:22**
